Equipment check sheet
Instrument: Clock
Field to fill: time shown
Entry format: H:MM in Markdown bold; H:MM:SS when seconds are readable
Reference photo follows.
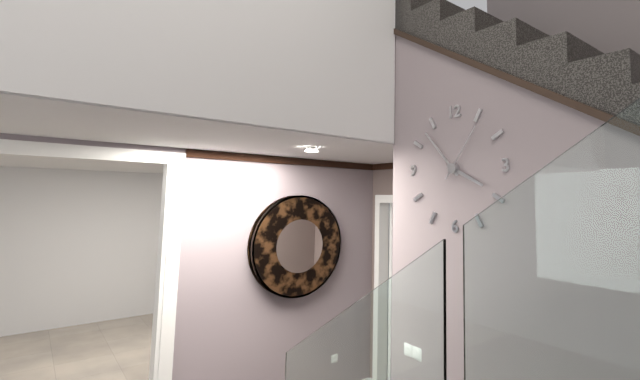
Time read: **3:53:06**
